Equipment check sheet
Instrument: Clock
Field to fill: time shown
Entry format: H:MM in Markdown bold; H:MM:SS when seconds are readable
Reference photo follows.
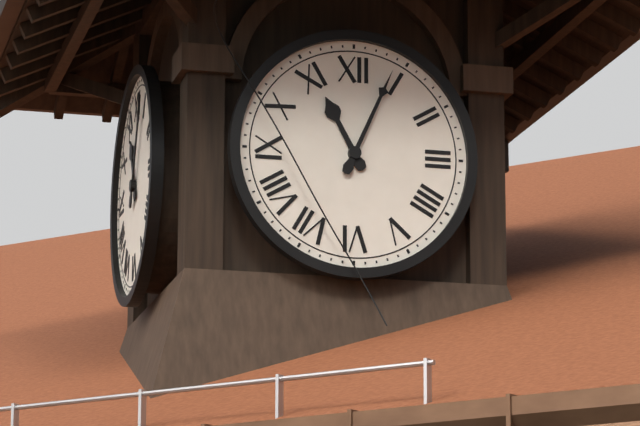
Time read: **11:04**
